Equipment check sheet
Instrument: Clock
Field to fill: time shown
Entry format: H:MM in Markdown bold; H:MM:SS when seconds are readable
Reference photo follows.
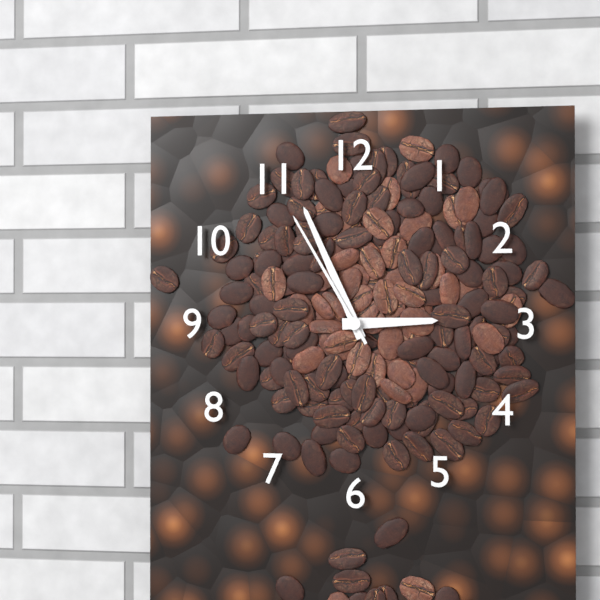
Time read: **2:56:55**
